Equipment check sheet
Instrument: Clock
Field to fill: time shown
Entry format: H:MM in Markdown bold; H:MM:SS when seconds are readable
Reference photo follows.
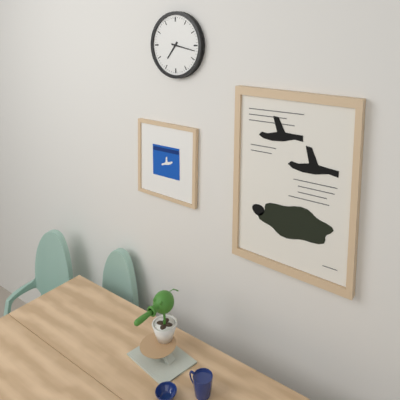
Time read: **7:17**
